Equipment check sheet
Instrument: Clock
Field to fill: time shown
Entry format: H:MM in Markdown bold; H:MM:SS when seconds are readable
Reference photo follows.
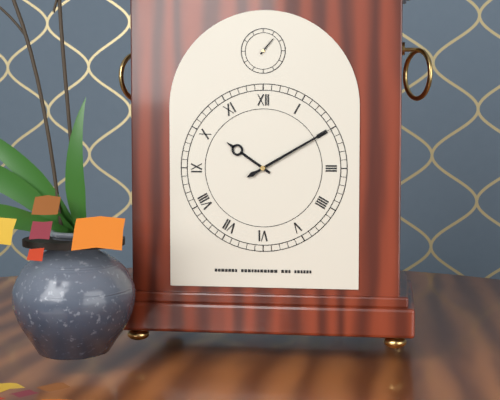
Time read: **10:10**
